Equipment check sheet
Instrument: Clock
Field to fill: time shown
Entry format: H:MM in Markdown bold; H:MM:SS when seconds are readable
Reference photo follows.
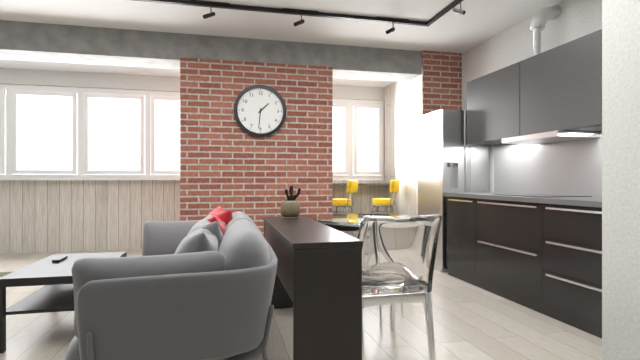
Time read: **1:31**
